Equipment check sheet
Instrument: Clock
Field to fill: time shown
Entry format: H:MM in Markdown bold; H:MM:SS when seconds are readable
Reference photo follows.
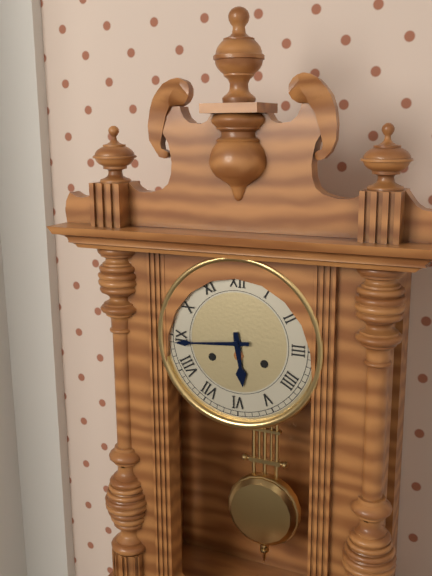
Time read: **5:44**
